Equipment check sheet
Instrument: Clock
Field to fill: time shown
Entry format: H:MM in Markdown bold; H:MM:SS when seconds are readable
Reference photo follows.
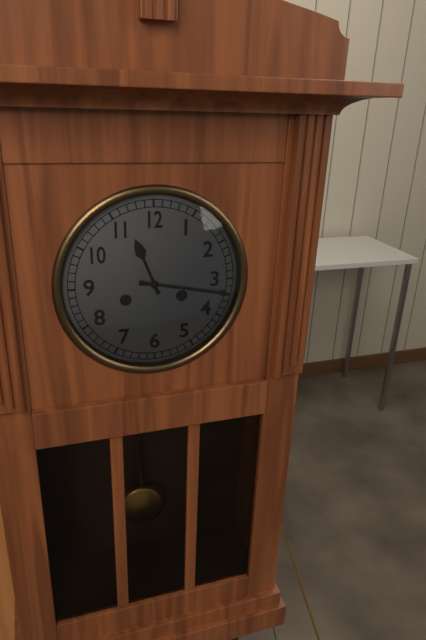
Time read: **11:17**
